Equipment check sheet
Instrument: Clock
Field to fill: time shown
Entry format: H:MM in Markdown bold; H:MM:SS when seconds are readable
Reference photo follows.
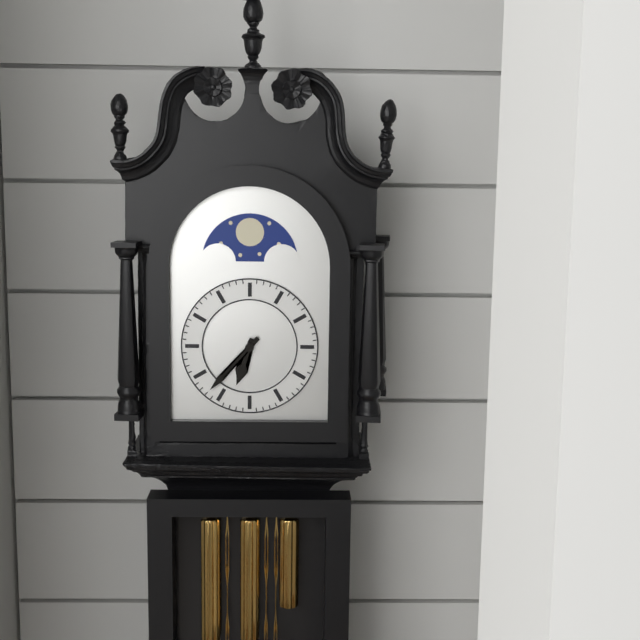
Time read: **6:37**
